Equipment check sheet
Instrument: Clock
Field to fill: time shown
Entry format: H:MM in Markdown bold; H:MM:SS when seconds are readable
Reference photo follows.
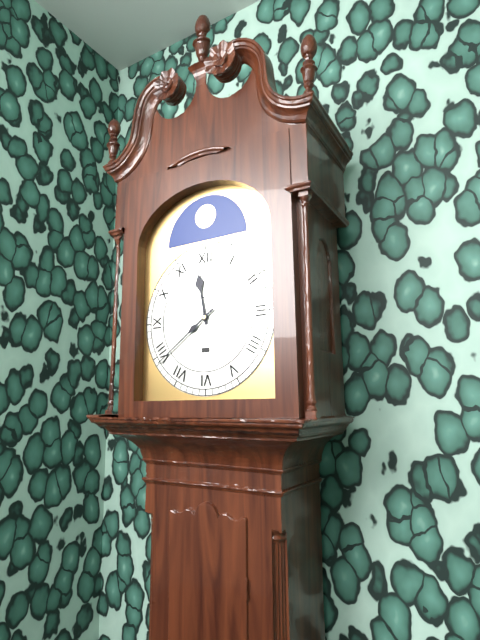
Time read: **11:39**
